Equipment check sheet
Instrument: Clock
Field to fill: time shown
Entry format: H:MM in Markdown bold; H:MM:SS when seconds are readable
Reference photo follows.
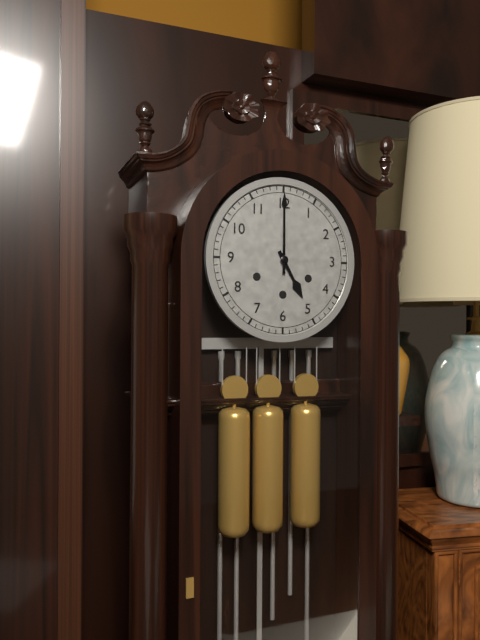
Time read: **5:00**
